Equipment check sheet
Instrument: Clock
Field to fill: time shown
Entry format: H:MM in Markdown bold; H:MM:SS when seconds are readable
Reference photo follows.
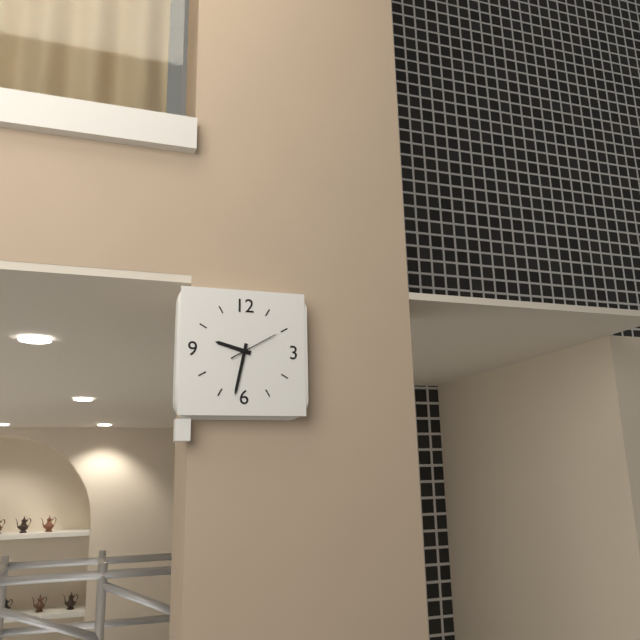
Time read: **9:32**
